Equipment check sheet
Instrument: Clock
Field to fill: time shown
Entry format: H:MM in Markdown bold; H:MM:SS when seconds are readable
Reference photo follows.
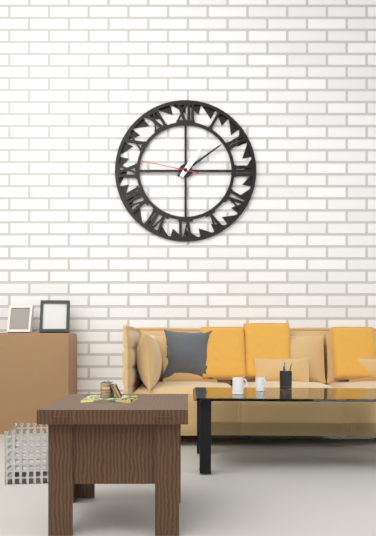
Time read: **1:09:47**
